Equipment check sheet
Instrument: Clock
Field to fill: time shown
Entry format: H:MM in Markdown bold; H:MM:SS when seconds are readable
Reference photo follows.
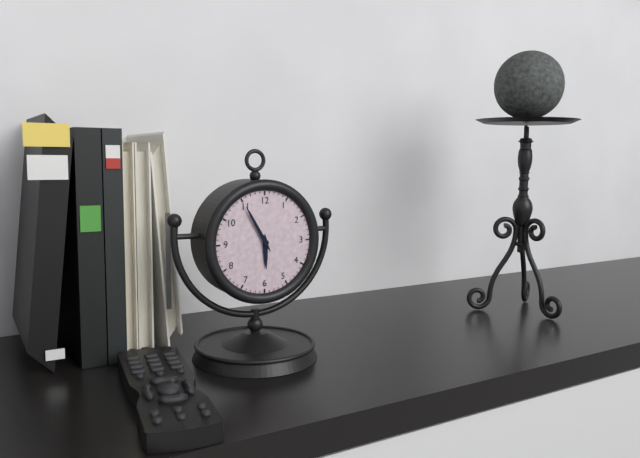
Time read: **5:55**
